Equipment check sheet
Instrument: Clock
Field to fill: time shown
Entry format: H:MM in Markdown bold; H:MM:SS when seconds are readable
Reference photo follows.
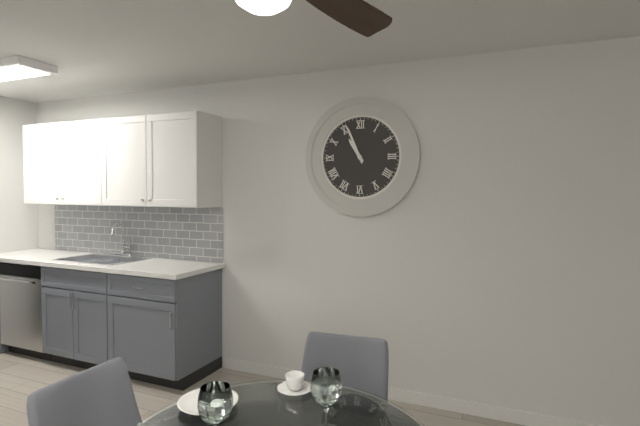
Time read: **10:56**
